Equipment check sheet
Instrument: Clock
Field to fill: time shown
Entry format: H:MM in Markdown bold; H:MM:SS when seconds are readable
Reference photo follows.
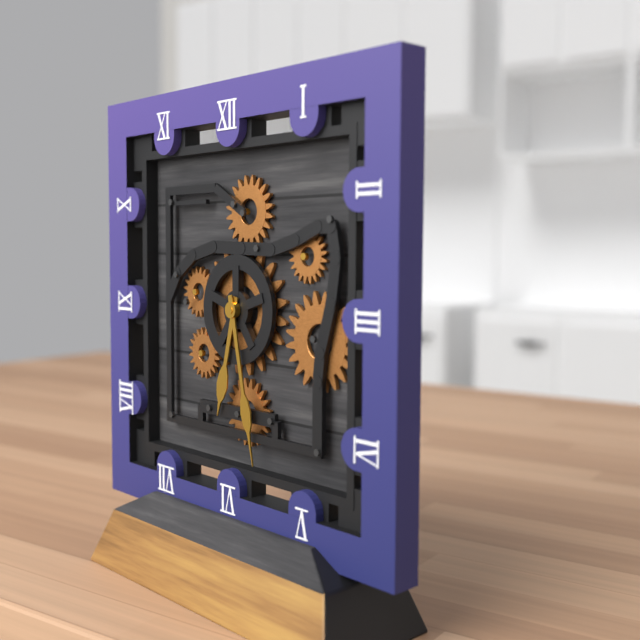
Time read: **6:28**
